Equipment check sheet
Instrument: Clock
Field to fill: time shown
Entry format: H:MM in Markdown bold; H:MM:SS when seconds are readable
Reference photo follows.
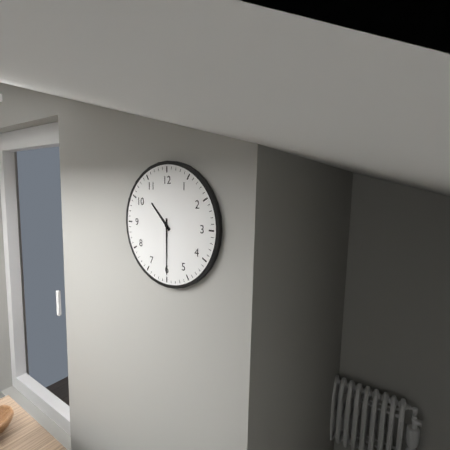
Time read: **10:30**
